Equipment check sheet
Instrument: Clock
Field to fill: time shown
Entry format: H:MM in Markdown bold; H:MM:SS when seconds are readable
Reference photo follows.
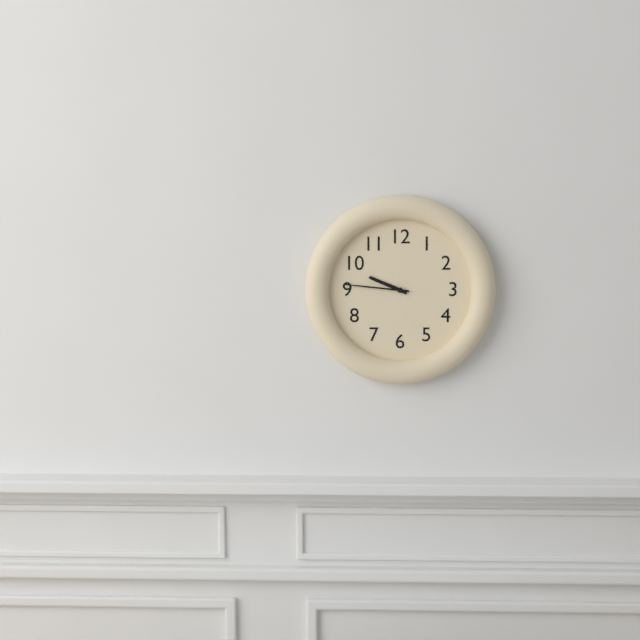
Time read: **9:46**
